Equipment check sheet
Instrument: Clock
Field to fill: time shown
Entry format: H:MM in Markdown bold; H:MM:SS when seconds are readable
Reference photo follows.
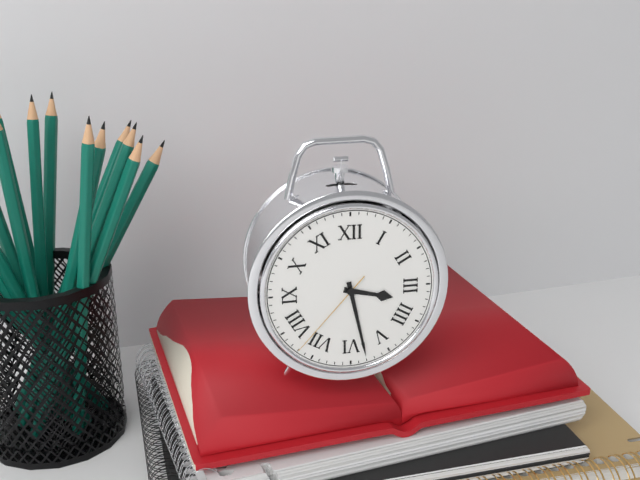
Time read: **3:28:37**
